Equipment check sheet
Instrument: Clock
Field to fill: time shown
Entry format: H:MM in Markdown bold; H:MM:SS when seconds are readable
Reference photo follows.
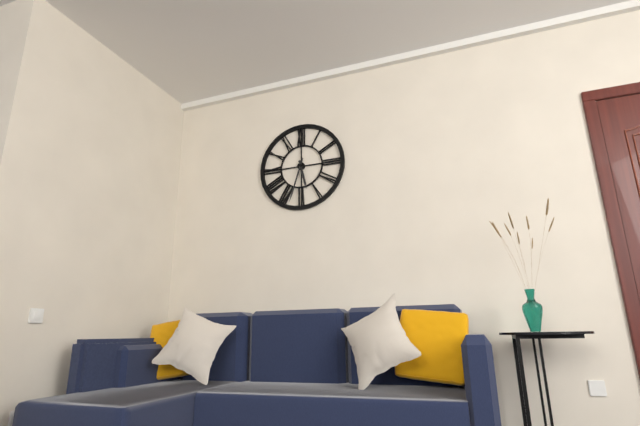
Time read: **5:33**
